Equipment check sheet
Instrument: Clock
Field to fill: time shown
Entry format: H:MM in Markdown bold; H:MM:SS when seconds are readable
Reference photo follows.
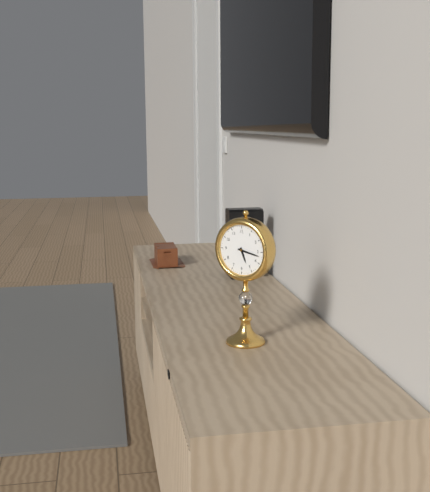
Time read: **5:17**
